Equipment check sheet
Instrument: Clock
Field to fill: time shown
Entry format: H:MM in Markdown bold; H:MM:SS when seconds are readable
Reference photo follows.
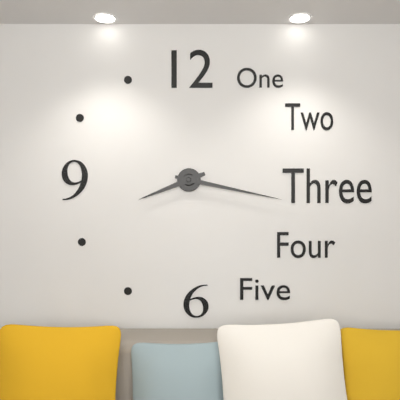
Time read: **8:17**
